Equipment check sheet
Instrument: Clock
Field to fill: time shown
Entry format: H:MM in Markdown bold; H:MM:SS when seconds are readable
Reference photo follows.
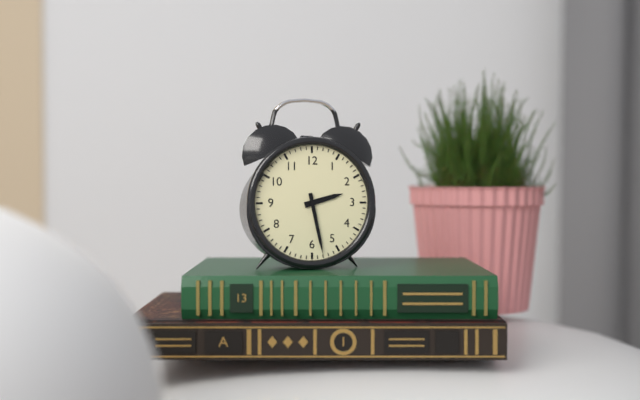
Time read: **2:28**
